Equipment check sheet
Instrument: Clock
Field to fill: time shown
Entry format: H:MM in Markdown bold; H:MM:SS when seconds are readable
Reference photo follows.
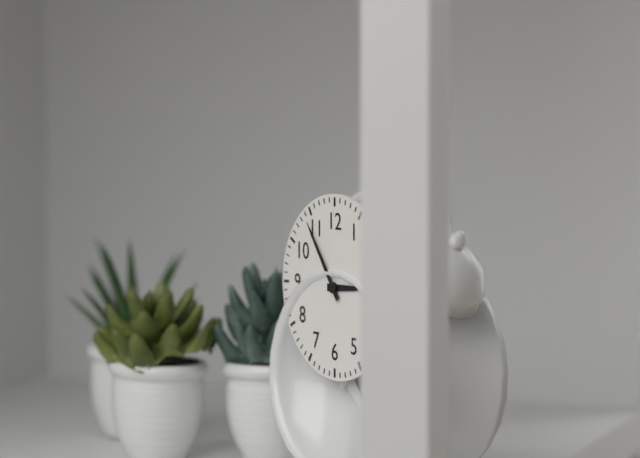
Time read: **2:54**
